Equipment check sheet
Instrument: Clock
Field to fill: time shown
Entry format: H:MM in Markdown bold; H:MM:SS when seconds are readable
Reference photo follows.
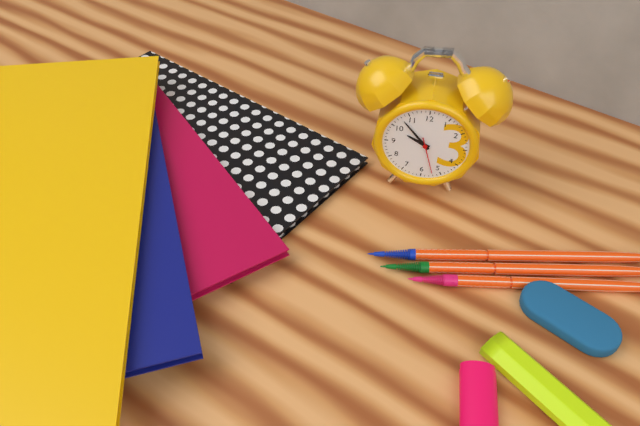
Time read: **9:53**
